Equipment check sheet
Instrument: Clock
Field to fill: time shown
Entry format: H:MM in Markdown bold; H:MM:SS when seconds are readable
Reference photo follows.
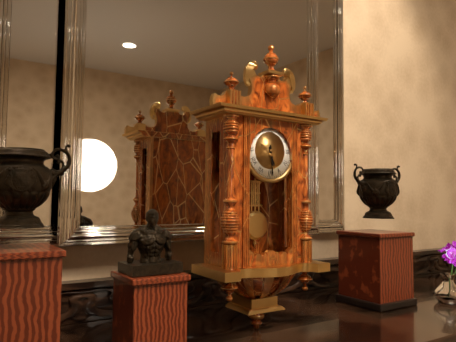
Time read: **5:29**
